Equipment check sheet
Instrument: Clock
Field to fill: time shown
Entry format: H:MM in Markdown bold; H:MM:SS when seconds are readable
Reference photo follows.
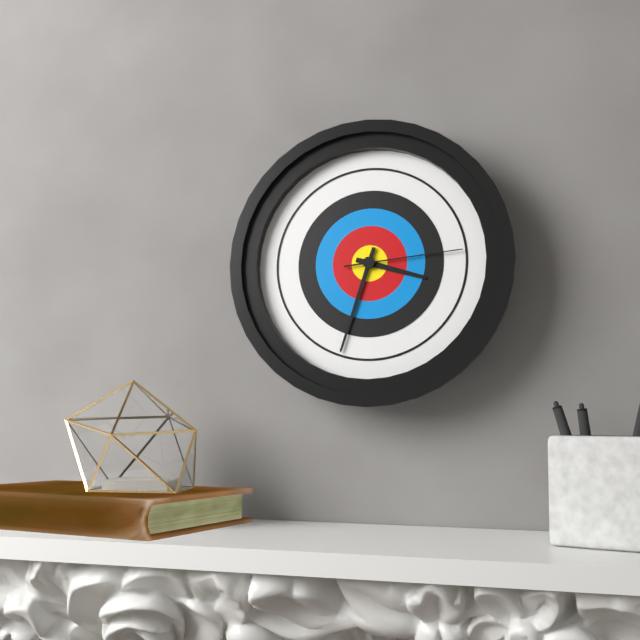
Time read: **3:33:14**
